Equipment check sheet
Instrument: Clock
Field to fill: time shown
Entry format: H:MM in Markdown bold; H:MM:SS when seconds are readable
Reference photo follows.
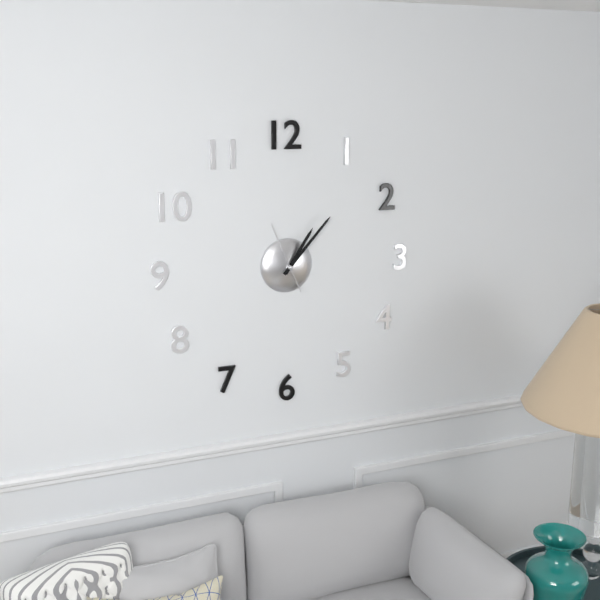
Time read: **1:07:56**
